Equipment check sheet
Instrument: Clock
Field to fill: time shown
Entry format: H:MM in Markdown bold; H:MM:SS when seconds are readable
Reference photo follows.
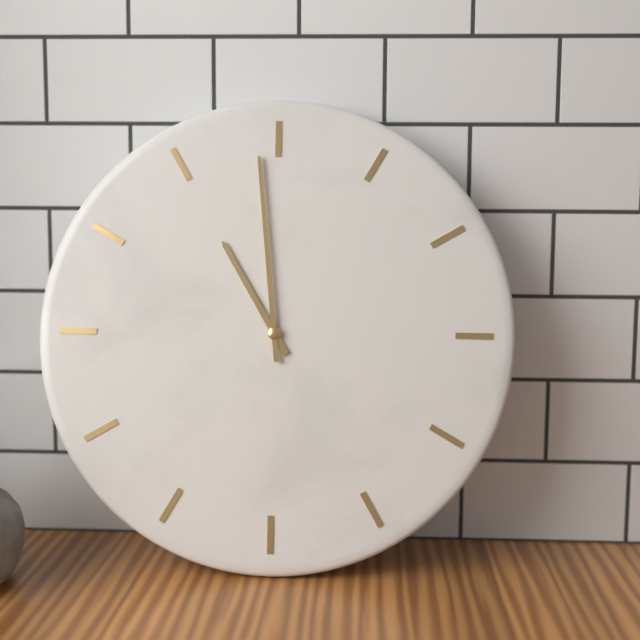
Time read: **10:59**
